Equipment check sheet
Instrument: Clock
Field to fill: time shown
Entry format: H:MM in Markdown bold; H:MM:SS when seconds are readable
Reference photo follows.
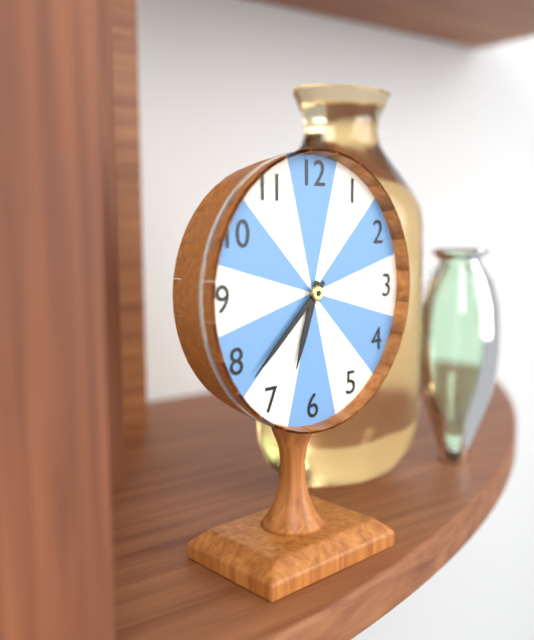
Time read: **6:38**
